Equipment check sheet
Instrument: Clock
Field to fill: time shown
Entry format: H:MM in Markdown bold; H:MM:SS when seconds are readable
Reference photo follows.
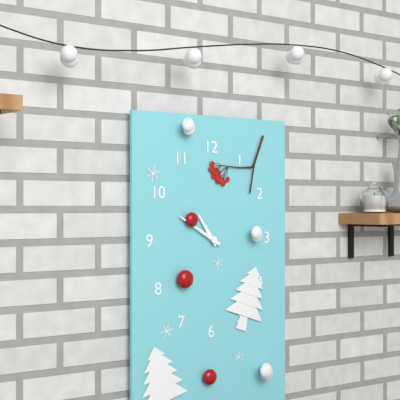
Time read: **10:50**
